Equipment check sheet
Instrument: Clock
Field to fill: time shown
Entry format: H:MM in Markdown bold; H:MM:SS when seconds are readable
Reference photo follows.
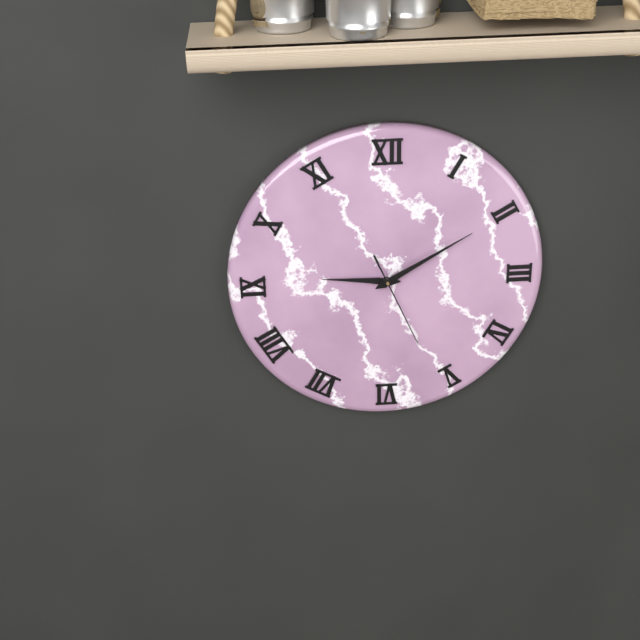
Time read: **9:10:26**
